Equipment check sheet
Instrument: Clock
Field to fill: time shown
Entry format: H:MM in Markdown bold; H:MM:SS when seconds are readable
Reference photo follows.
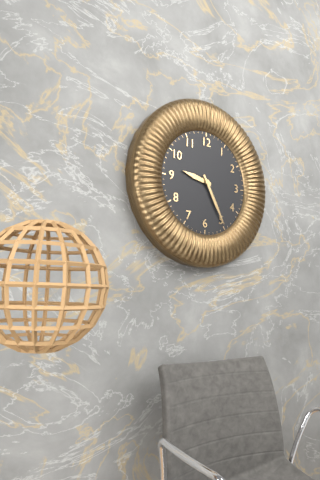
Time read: **9:25**
